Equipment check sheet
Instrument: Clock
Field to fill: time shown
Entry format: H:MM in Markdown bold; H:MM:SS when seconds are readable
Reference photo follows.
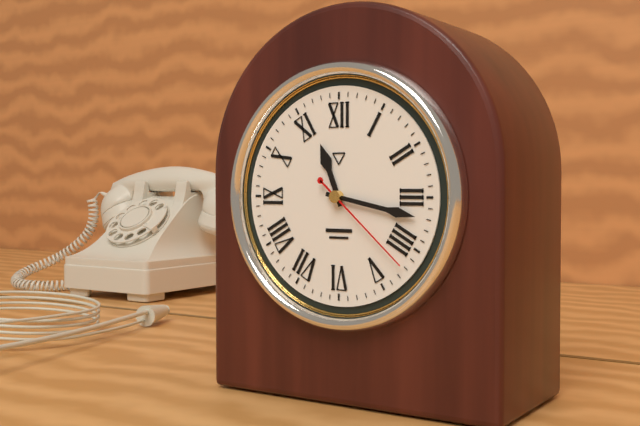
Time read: **11:17:22**
